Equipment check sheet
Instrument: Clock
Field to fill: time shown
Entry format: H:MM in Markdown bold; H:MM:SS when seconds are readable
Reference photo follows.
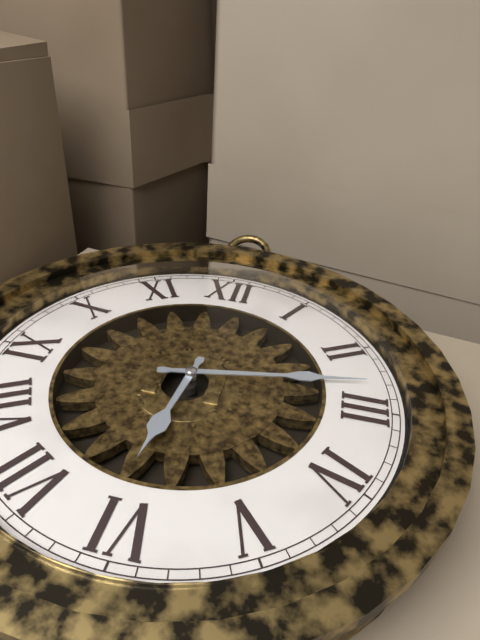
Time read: **6:13**
